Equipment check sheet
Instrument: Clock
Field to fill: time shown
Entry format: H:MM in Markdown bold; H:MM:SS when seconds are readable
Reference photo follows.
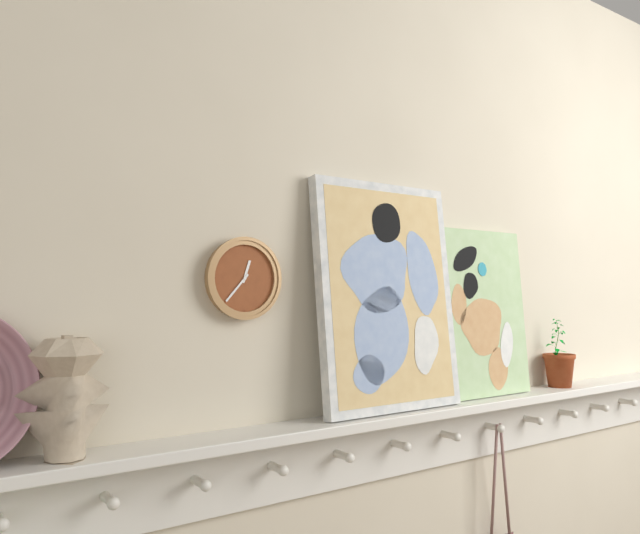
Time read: **12:37**
